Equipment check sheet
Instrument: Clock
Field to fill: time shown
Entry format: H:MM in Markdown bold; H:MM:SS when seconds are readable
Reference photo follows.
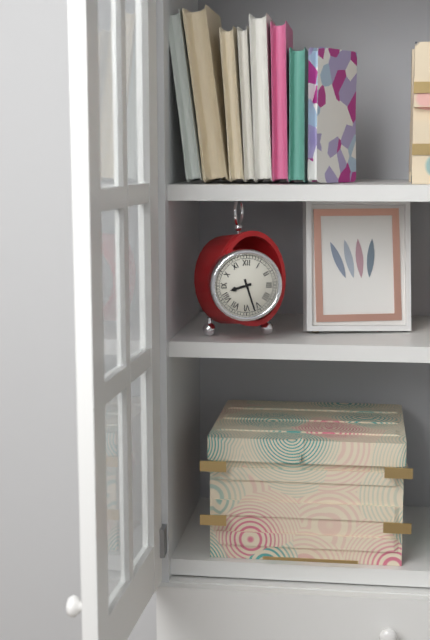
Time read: **8:27**
